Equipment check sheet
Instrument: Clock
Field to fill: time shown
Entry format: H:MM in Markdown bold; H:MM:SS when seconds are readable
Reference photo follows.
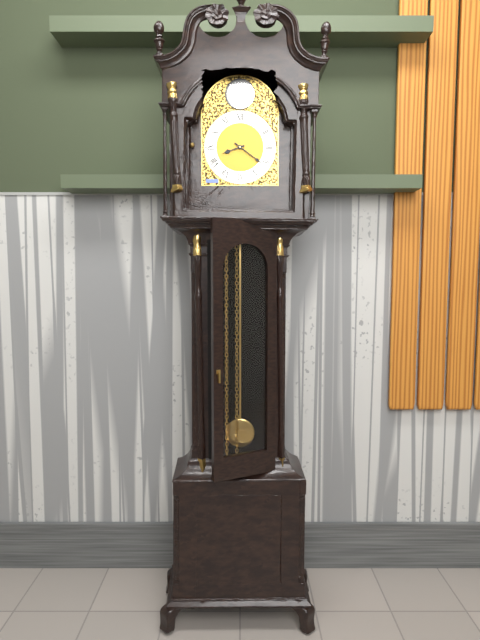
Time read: **8:21**
